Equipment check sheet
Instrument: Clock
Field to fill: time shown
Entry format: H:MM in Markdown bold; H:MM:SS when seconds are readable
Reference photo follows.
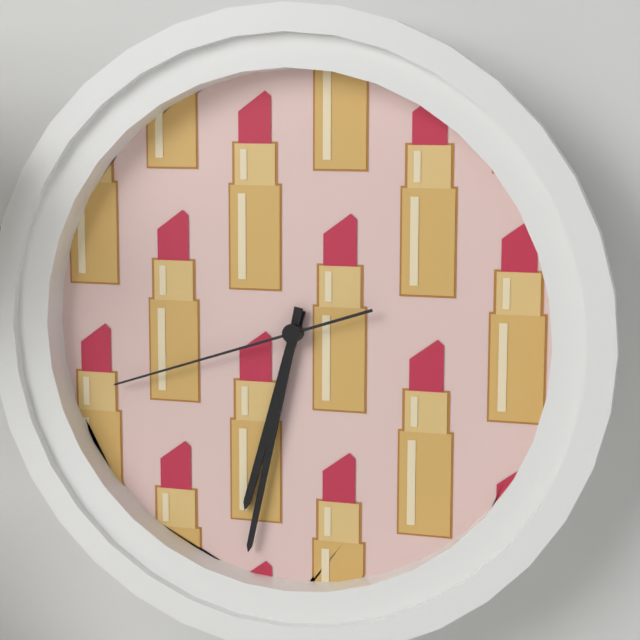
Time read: **6:32:42**
